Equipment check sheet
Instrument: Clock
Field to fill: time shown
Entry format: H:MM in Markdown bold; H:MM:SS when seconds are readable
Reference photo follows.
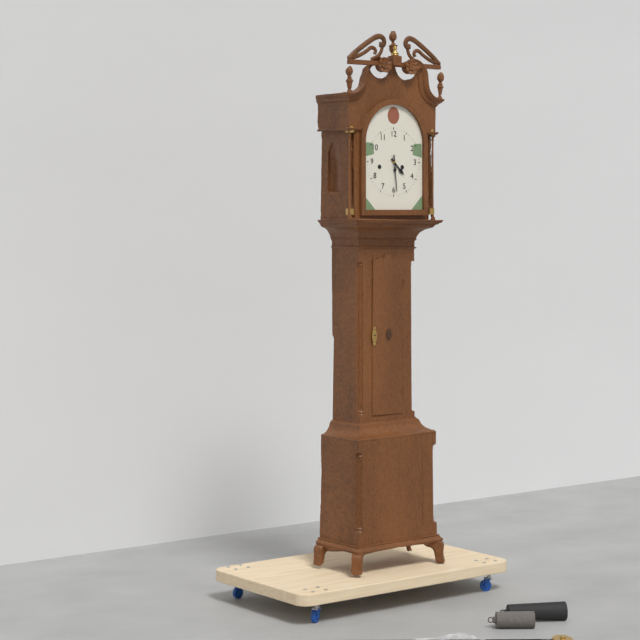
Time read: **4:29**
